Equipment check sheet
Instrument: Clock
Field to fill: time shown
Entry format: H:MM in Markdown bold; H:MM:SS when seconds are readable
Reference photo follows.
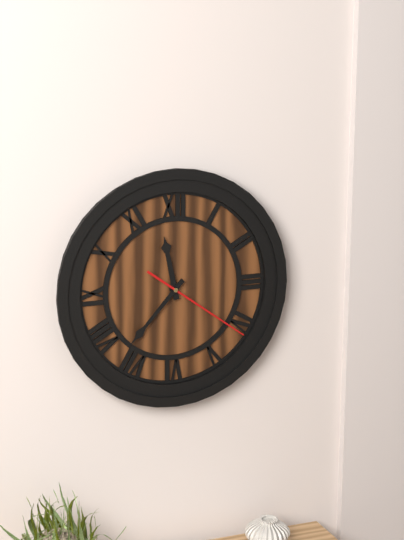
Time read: **11:37:21**
